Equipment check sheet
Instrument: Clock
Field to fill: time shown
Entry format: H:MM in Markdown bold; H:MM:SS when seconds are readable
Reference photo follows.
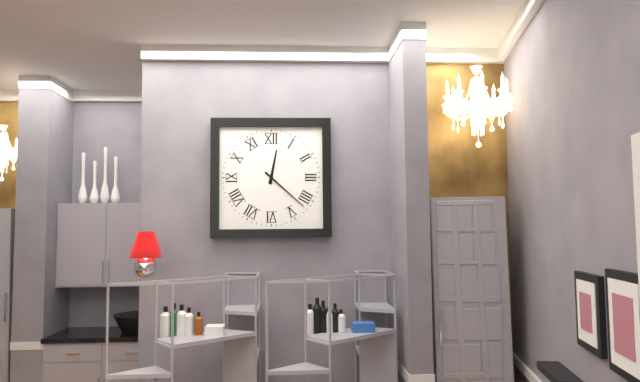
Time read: **12:22**
